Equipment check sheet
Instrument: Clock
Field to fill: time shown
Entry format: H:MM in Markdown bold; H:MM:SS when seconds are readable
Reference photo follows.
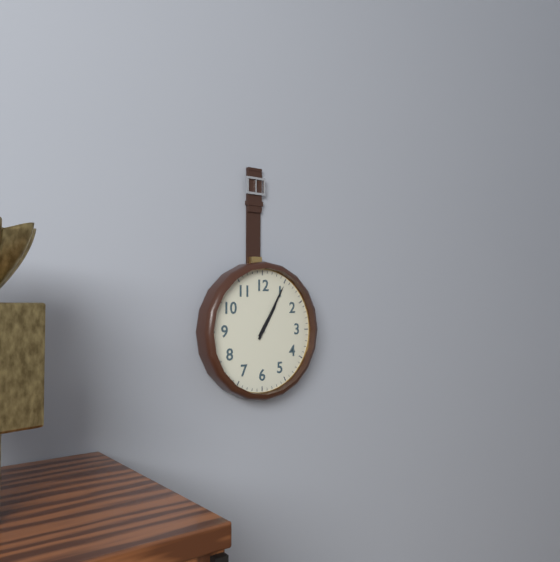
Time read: **1:05**
